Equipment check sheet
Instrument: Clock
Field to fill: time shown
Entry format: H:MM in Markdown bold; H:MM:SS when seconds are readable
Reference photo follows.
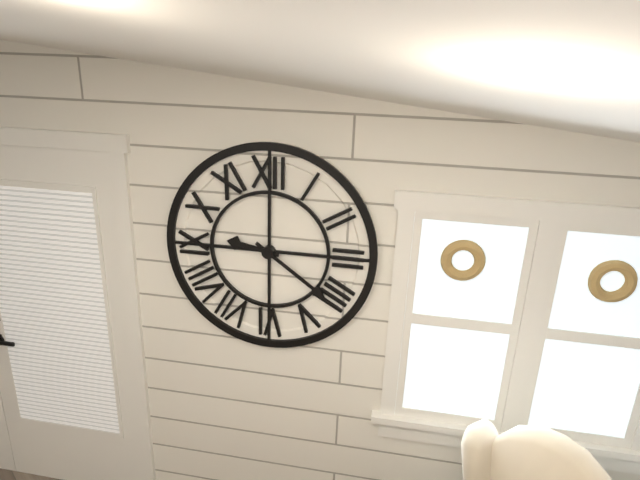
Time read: **9:21**
